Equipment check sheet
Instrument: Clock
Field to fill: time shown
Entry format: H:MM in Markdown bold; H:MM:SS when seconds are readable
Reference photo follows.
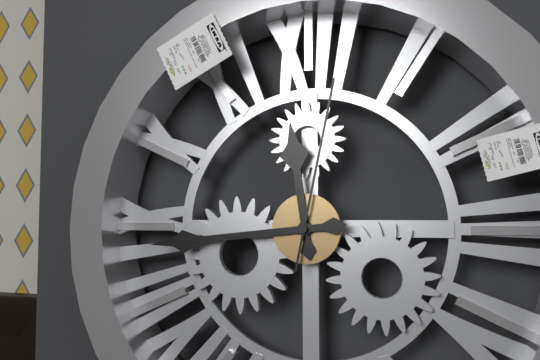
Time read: **11:44:02**
